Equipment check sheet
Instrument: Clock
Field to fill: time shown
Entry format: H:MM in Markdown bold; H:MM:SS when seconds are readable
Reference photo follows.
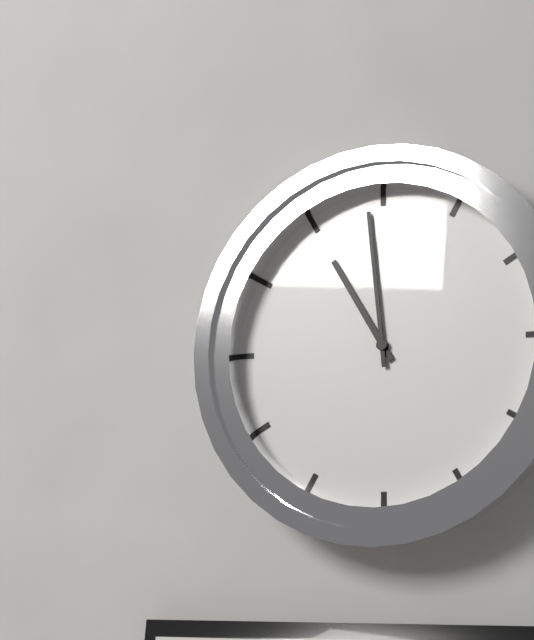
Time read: **10:59**
